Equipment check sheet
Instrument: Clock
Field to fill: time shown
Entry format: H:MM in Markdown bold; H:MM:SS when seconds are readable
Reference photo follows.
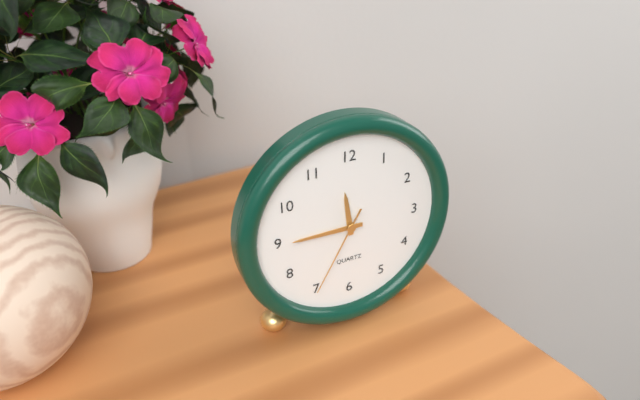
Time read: **11:45:35**
